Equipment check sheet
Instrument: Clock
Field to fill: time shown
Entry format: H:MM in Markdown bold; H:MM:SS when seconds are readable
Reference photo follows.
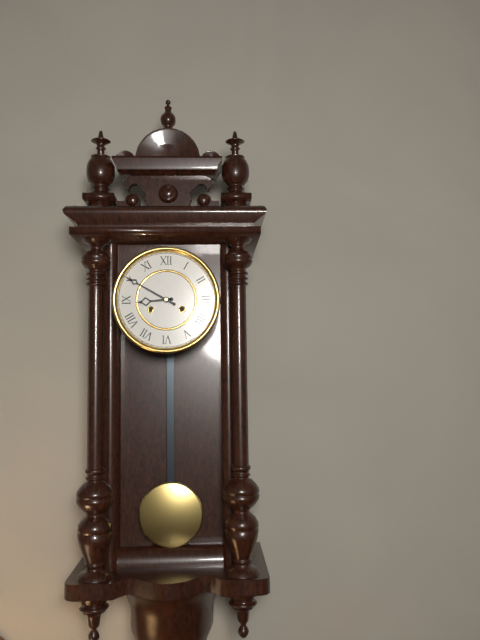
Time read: **8:50**
